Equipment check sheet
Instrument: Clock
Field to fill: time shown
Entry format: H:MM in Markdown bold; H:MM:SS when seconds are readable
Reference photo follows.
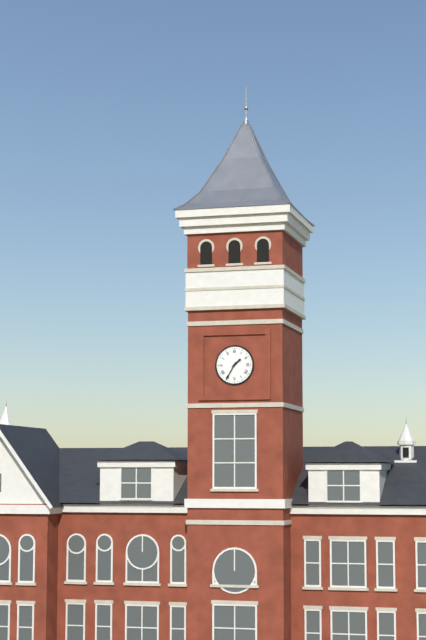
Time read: **1:35**
